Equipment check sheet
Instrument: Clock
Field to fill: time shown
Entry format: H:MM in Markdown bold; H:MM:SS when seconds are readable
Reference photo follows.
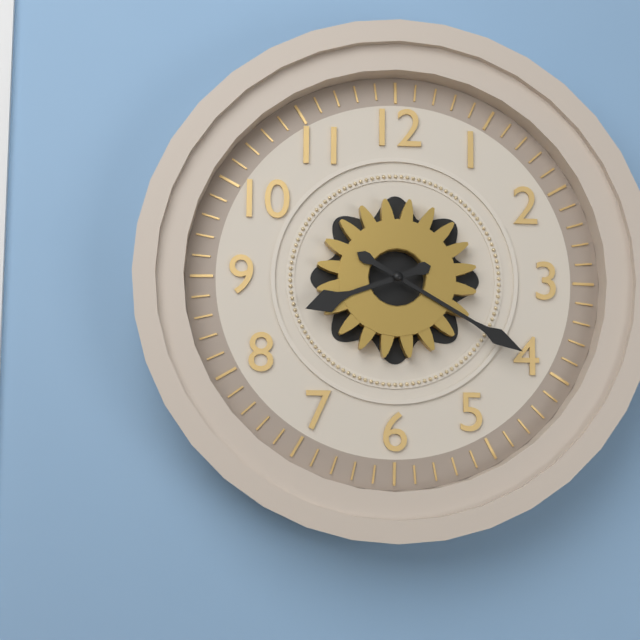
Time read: **8:20**
